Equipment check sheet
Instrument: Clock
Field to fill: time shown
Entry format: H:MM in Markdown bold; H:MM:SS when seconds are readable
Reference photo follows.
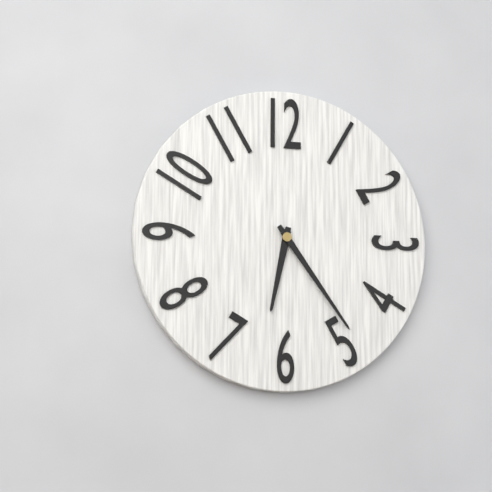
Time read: **6:24**
